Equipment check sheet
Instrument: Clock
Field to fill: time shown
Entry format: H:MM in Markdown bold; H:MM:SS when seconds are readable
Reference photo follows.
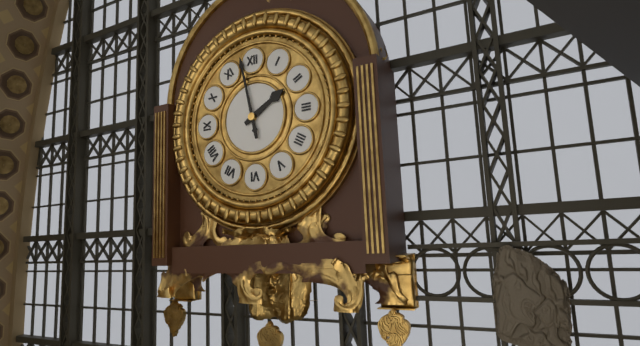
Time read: **1:58**
